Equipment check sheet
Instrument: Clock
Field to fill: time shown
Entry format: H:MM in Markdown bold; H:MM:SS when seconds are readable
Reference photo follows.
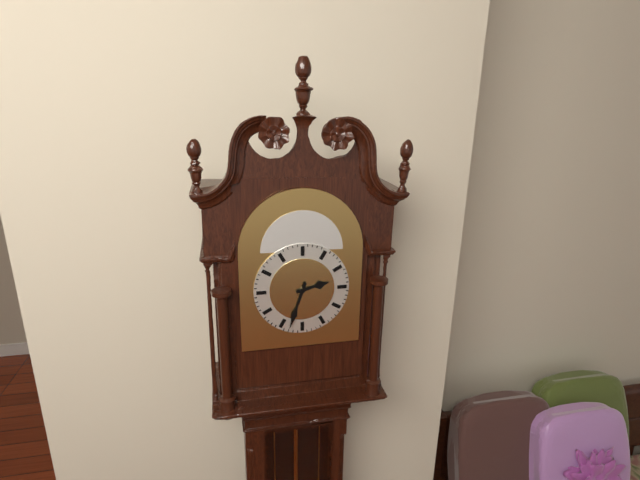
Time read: **2:33**
